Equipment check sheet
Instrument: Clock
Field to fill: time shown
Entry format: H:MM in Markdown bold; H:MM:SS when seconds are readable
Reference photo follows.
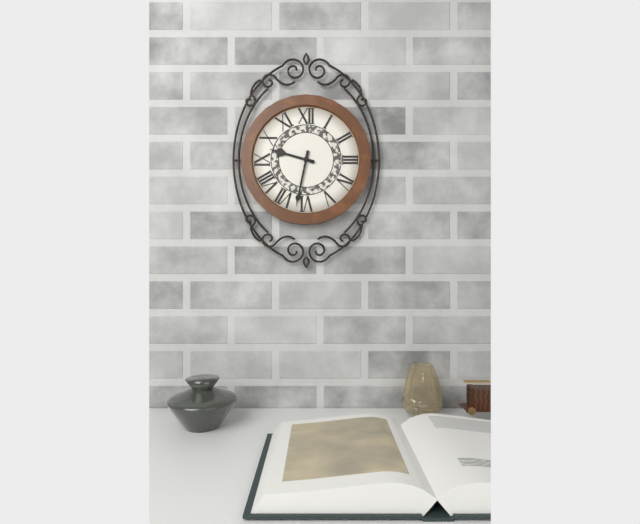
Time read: **9:32**
